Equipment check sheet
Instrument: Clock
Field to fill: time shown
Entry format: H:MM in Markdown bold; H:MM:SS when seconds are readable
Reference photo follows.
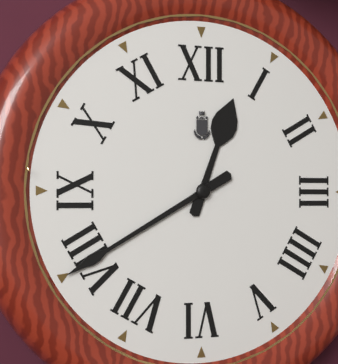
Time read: **12:40**
